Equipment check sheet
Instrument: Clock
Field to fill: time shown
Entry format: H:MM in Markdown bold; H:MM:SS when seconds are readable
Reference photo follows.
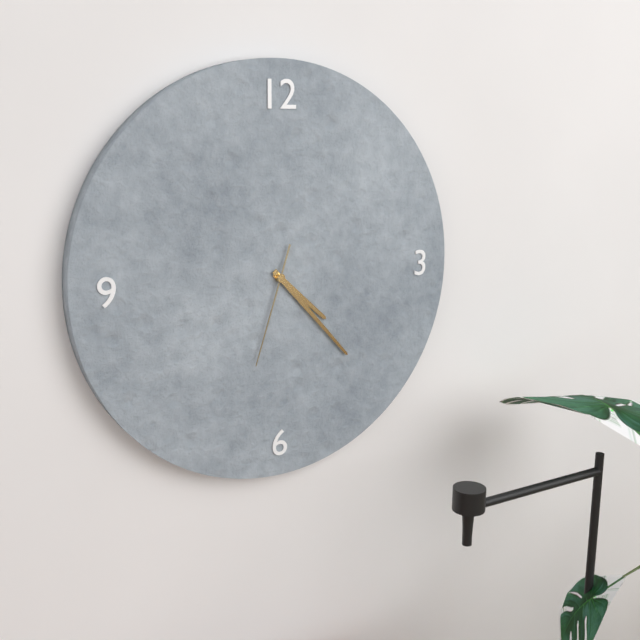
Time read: **4:23:33**
